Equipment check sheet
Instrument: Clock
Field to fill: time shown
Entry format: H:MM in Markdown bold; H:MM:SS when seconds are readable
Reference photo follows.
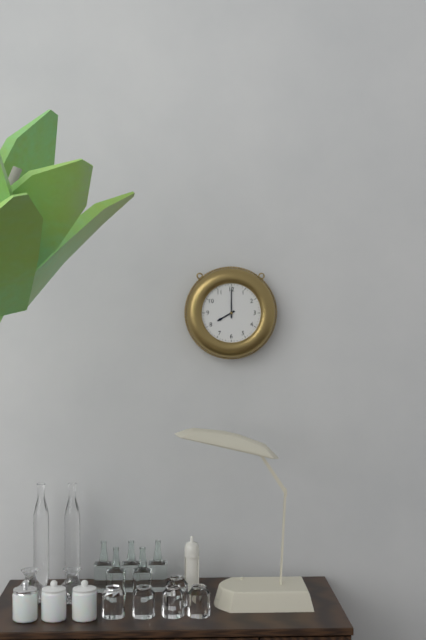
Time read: **8:00**
